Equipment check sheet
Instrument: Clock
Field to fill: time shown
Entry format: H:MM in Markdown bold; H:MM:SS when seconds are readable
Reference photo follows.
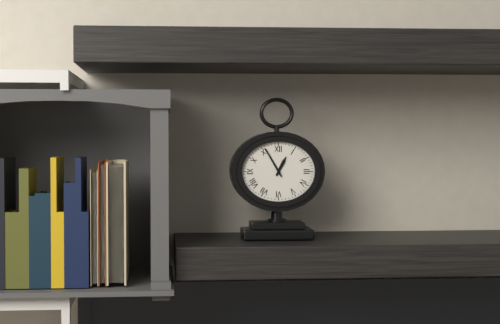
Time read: **12:55**
